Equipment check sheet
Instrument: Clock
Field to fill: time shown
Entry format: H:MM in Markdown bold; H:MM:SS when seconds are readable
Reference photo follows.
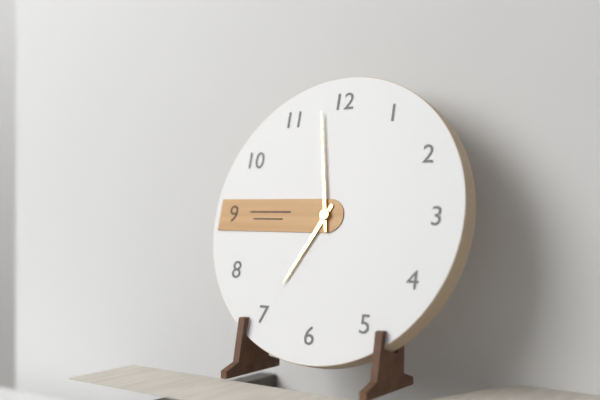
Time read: **6:58**
